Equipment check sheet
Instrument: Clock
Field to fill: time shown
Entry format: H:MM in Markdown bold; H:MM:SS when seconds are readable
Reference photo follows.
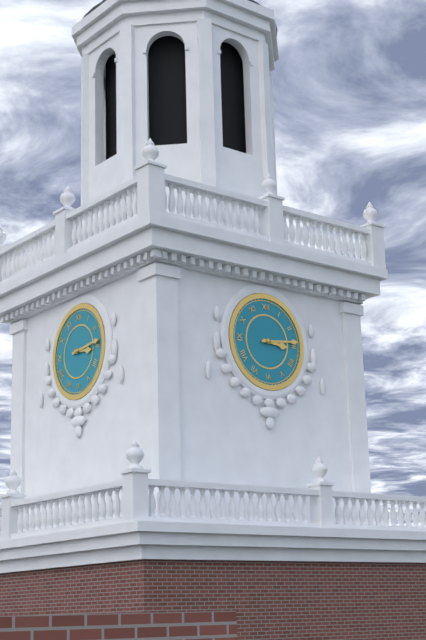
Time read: **3:14**
